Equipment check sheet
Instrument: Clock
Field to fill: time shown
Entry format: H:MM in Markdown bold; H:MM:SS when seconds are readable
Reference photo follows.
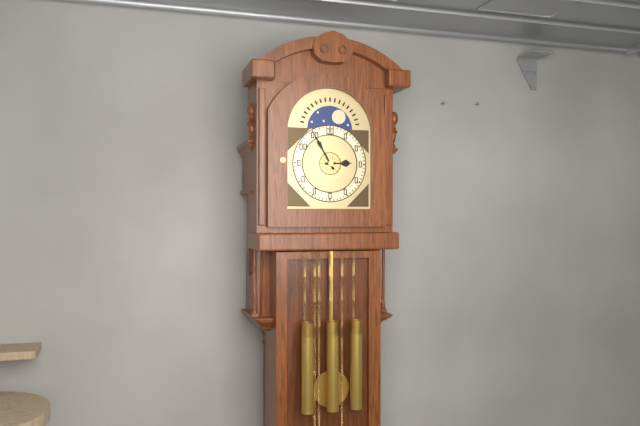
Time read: **2:55**
